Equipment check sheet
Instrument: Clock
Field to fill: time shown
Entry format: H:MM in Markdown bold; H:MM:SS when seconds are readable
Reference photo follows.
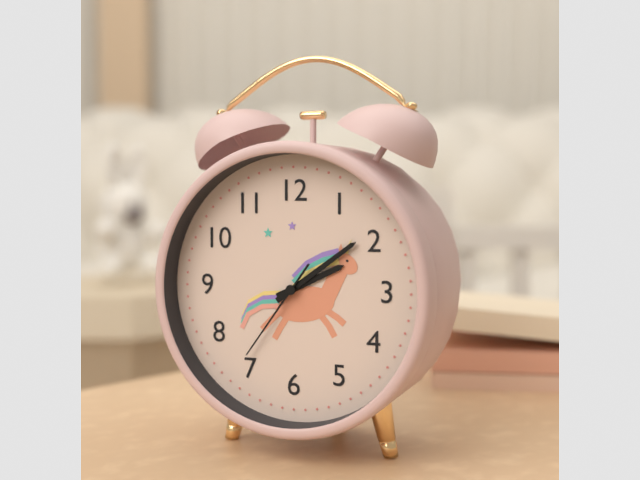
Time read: **2:09:36**
